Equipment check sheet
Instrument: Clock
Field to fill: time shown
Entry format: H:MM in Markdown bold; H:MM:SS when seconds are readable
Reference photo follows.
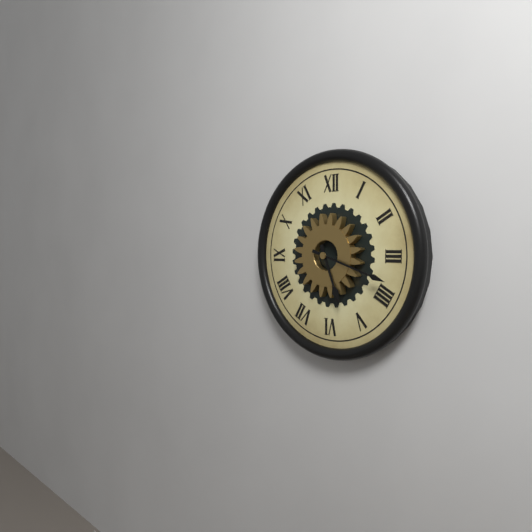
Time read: **5:18**
